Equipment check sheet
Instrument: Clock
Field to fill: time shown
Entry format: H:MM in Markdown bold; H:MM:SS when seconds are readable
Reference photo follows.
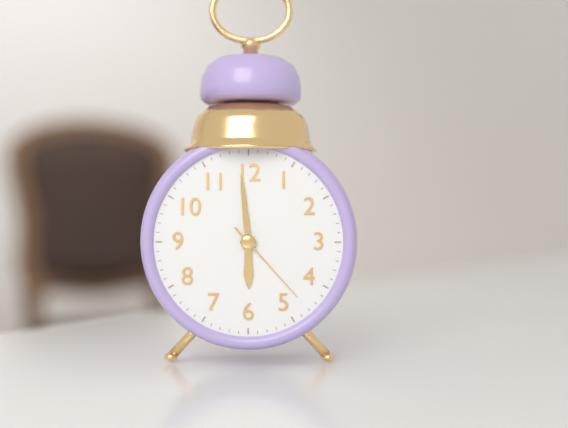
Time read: **5:59:23**
